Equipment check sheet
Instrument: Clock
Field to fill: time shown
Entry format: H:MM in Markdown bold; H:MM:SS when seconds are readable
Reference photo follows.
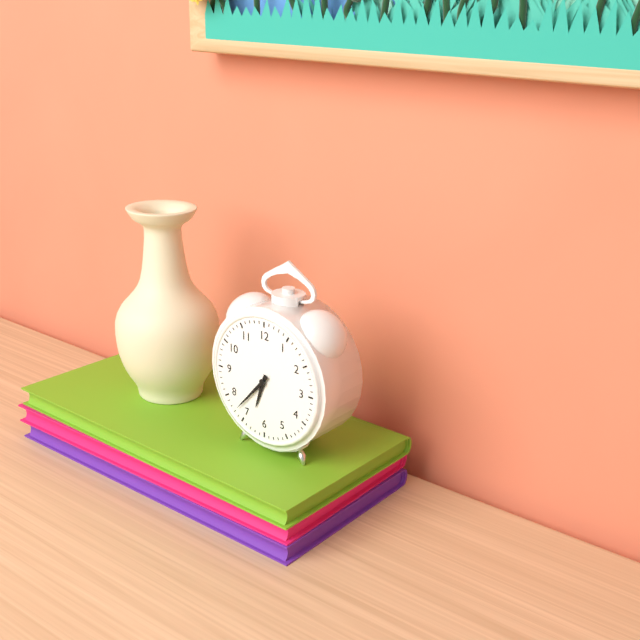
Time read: **6:37**
